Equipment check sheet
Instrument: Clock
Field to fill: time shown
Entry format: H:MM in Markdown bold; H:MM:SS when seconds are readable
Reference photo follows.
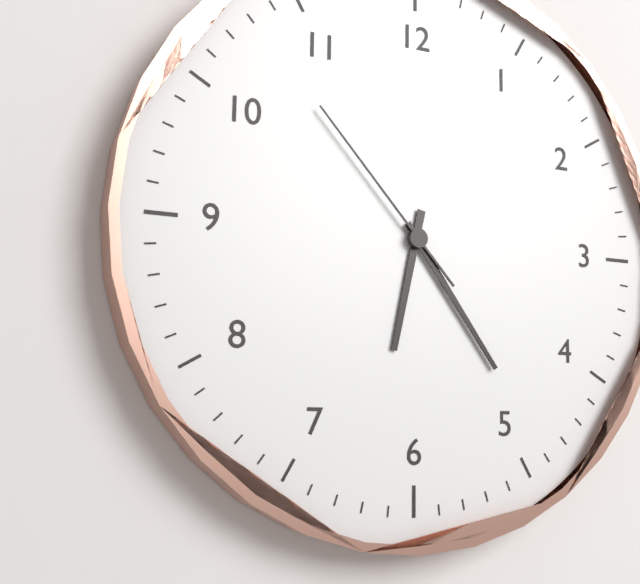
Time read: **6:24:53**
